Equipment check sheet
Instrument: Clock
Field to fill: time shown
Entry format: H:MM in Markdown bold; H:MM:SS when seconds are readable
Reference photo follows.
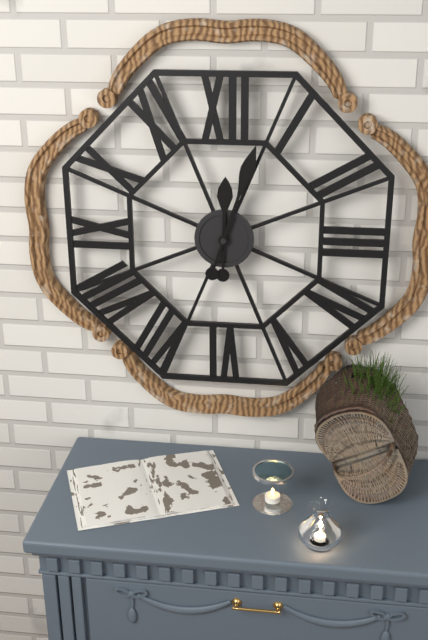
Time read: **12:03**
